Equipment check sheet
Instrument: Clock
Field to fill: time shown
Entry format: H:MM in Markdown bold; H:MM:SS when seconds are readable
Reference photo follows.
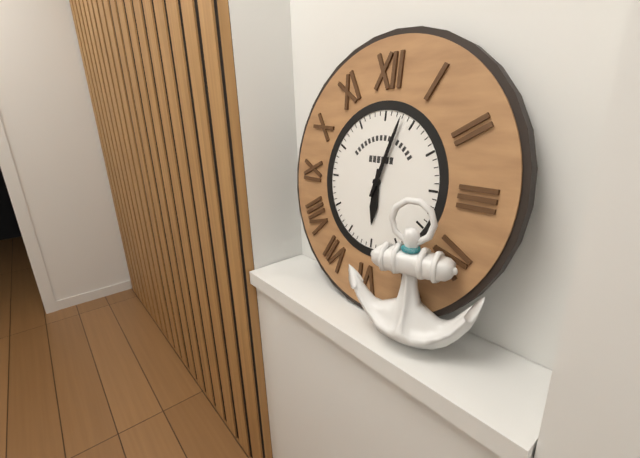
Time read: **6:03**
